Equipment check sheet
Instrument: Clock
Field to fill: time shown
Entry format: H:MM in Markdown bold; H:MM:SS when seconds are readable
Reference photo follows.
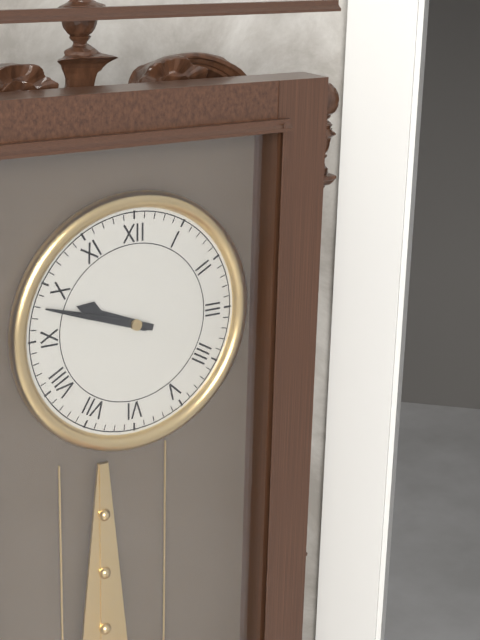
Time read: **9:48**
